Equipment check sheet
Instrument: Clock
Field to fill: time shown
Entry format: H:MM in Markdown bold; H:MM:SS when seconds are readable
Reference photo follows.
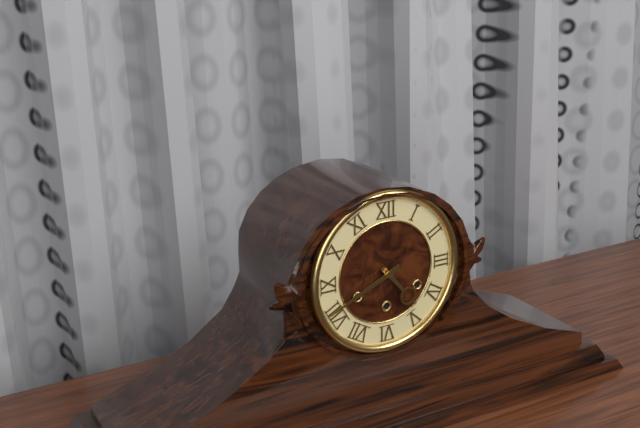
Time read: **4:41**
